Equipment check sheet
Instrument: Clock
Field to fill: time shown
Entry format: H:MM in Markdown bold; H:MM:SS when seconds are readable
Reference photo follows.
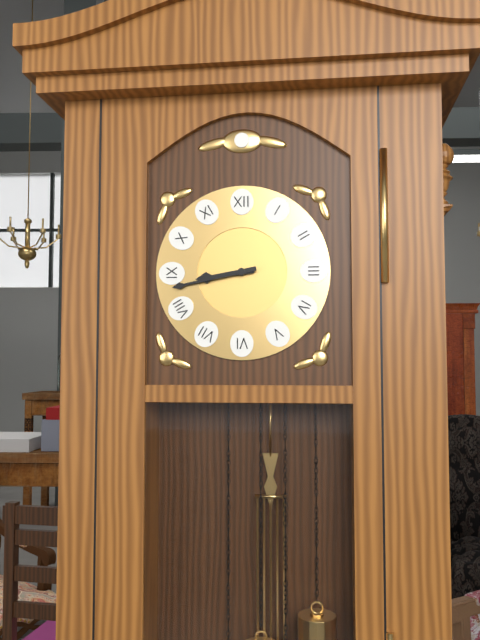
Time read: **8:43**
